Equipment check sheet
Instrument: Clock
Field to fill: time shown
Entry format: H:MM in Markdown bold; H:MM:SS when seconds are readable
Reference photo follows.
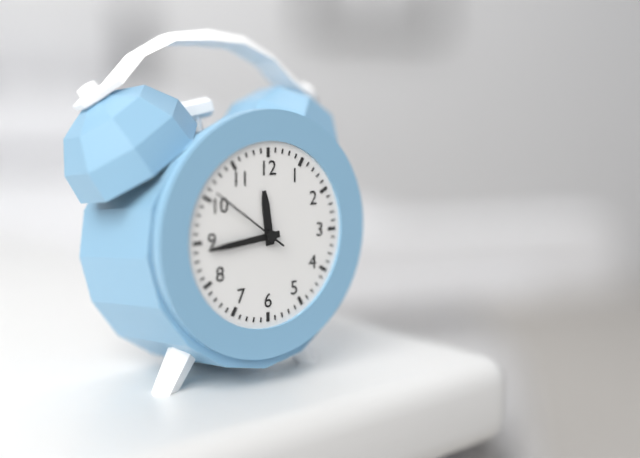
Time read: **11:44:51**
